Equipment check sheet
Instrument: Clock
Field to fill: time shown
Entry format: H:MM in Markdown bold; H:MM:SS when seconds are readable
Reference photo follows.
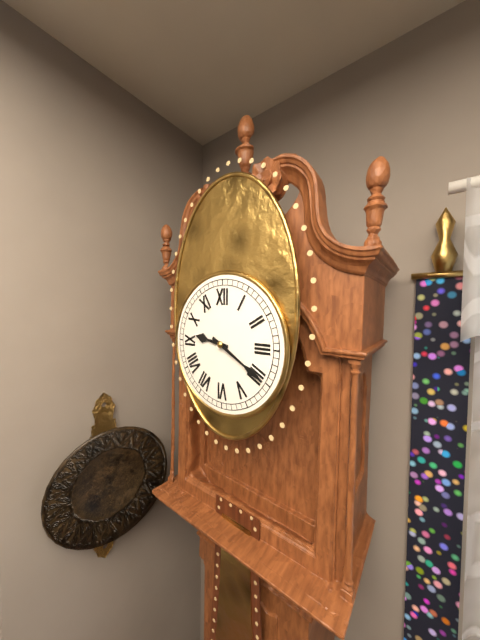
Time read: **9:20**
